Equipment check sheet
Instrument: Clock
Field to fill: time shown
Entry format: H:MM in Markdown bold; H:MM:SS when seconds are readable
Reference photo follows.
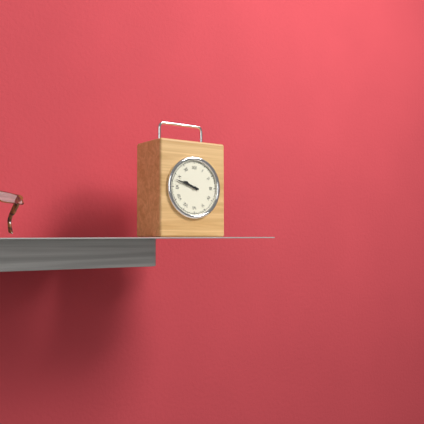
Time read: **9:48**
